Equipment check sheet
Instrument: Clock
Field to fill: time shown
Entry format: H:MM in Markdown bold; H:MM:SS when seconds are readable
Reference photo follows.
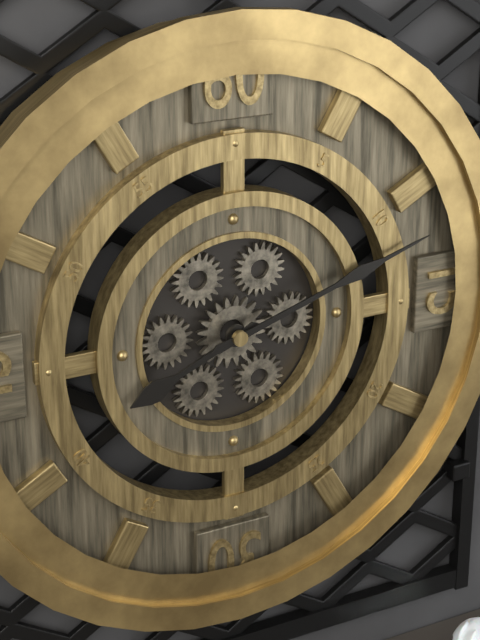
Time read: **8:12**
